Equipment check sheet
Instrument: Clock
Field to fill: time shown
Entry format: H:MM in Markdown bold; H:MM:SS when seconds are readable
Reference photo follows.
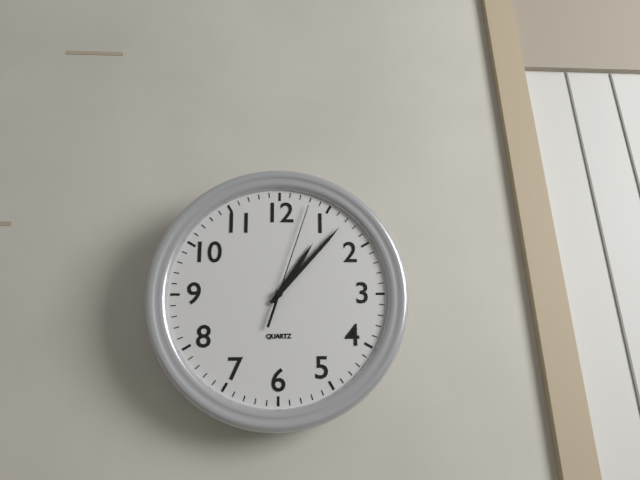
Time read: **1:07:03**
